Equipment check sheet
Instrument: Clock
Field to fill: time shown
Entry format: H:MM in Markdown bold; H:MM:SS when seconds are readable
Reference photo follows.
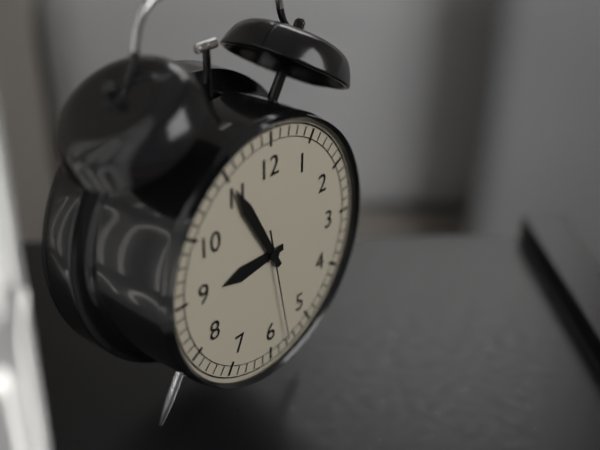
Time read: **8:55:28**
